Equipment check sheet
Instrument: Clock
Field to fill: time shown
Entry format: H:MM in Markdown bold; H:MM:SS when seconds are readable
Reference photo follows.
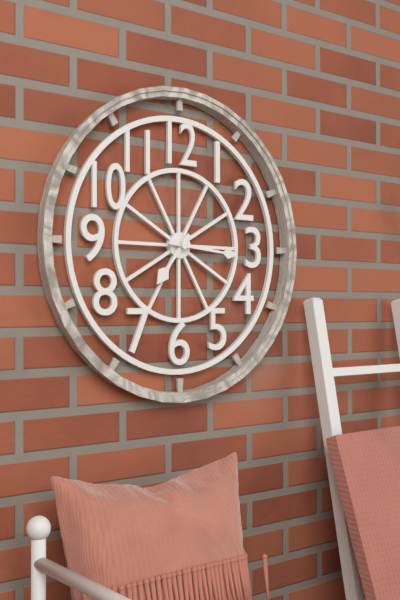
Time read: **7:16**
